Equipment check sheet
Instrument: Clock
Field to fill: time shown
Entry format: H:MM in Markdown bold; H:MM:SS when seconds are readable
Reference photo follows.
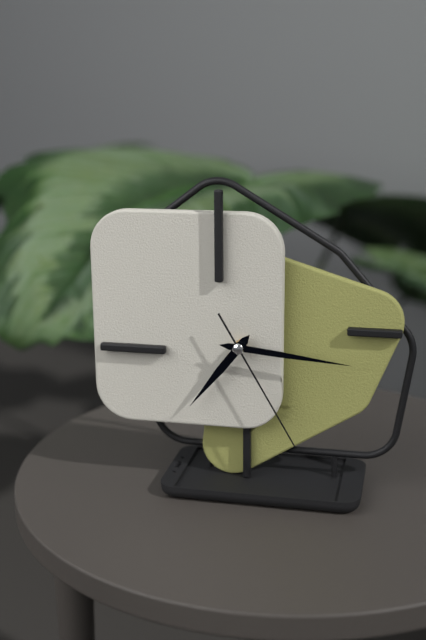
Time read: **7:16:25**
